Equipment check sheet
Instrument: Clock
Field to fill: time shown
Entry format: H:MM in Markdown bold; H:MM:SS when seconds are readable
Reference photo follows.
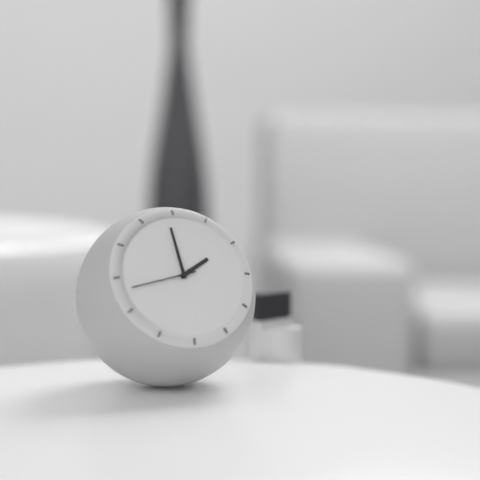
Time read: **1:59:43**
